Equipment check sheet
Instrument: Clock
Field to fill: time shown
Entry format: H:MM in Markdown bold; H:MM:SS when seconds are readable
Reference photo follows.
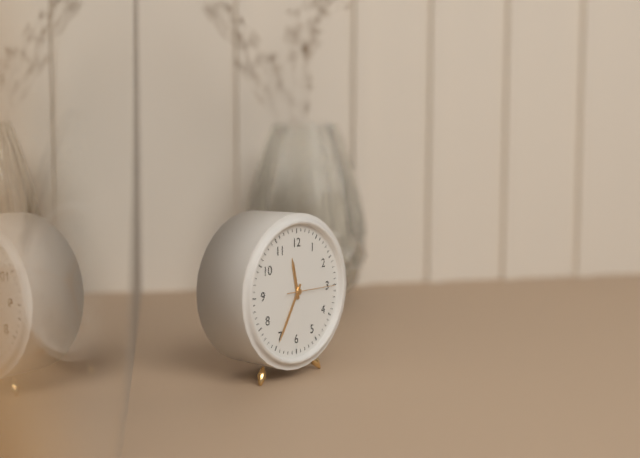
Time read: **11:35**
